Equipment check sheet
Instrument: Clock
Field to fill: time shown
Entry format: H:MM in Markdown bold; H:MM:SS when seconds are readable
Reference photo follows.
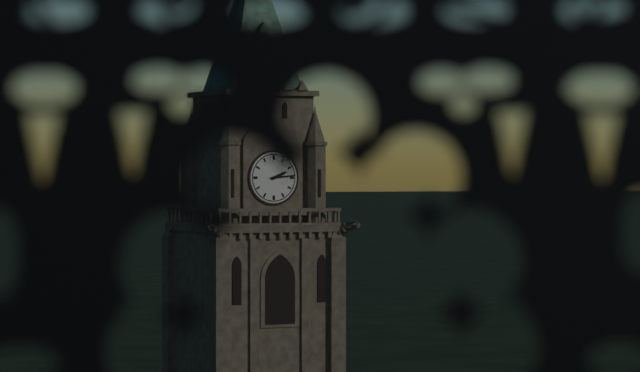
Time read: **2:14**
